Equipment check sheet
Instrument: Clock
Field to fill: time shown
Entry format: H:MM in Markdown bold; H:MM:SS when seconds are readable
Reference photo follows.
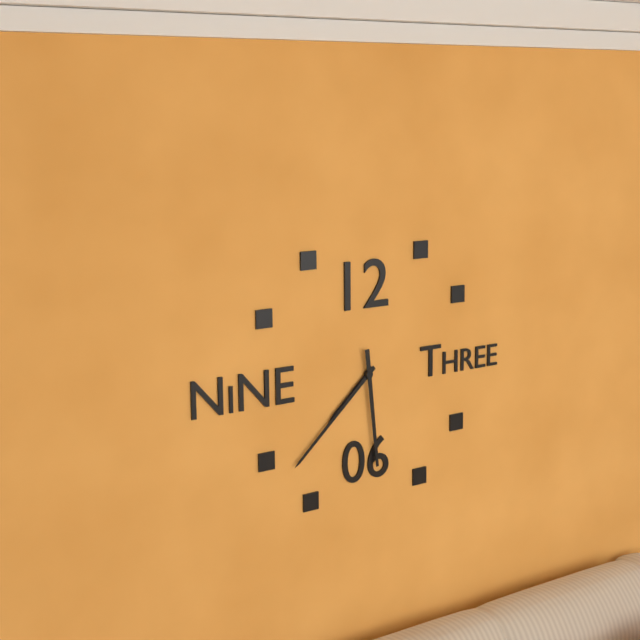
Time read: **7:38:29**
